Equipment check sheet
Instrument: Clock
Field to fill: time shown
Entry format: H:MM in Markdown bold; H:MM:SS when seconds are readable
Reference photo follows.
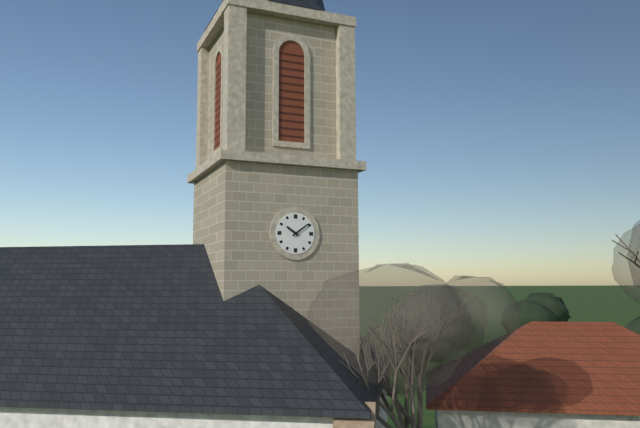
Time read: **10:09**
